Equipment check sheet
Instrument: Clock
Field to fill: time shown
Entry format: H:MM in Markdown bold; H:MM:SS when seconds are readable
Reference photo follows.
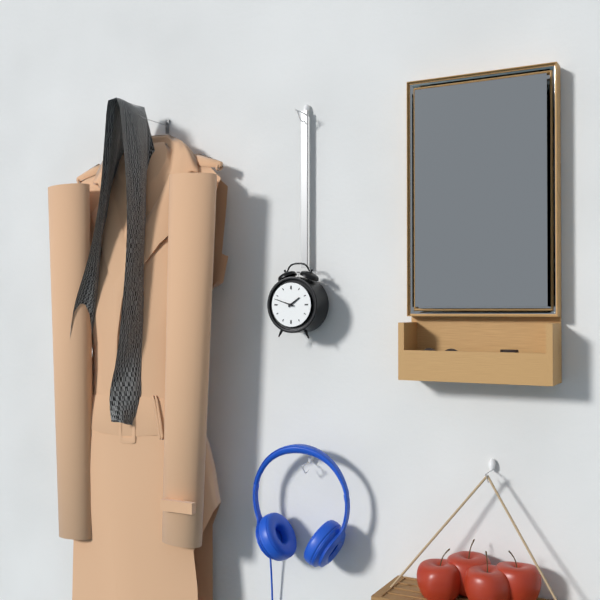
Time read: **1:48**
